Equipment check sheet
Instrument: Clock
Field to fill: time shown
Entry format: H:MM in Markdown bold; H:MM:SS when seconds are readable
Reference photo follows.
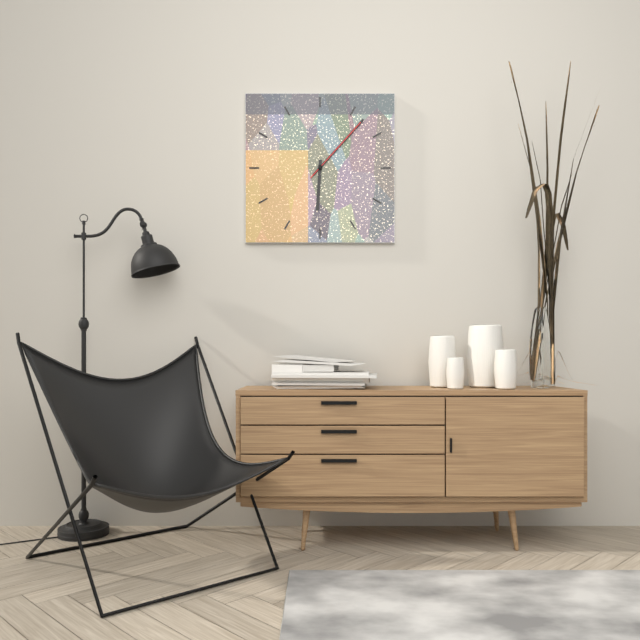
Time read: **6:07:07**
